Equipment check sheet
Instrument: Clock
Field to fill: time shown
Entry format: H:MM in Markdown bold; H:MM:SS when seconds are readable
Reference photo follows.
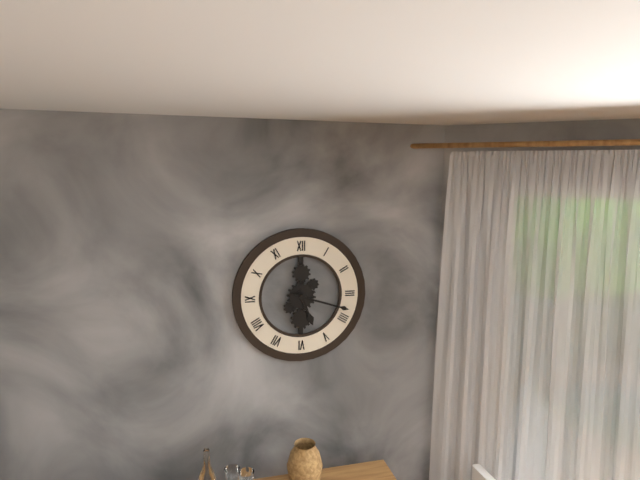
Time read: **5:18**
